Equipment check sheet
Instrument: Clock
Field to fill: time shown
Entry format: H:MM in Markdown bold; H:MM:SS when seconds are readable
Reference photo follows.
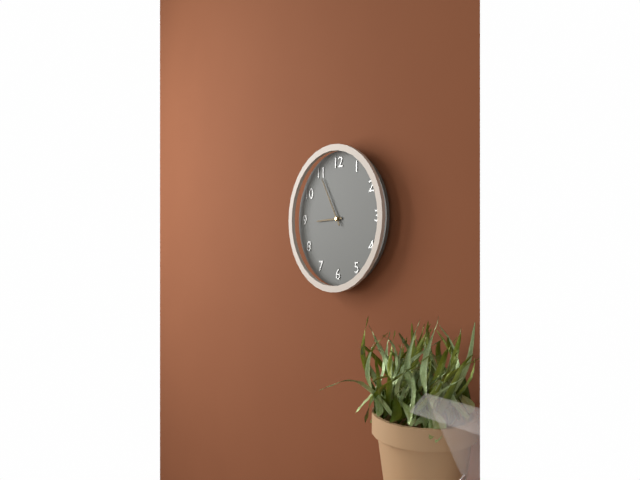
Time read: **8:55**
